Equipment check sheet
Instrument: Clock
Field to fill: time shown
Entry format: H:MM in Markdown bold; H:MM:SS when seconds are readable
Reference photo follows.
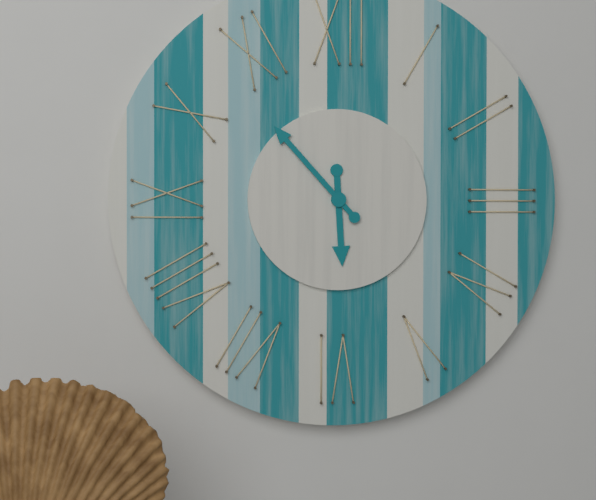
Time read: **5:53**
